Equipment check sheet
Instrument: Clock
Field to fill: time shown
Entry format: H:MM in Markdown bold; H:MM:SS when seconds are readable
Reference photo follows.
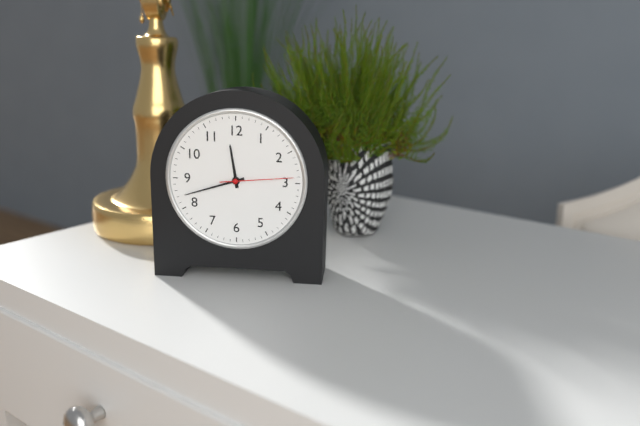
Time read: **11:42:14**
